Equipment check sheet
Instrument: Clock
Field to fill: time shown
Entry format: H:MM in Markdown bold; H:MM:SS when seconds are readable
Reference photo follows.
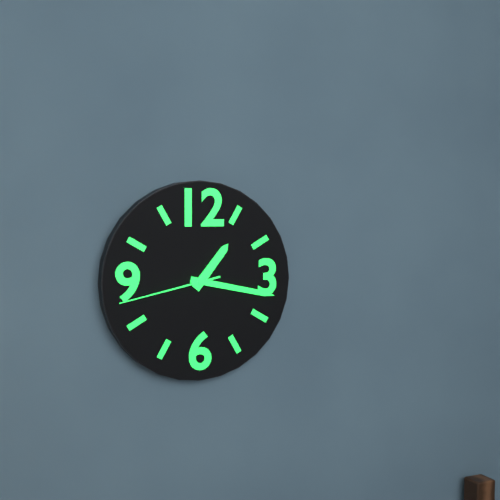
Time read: **1:17:43**
